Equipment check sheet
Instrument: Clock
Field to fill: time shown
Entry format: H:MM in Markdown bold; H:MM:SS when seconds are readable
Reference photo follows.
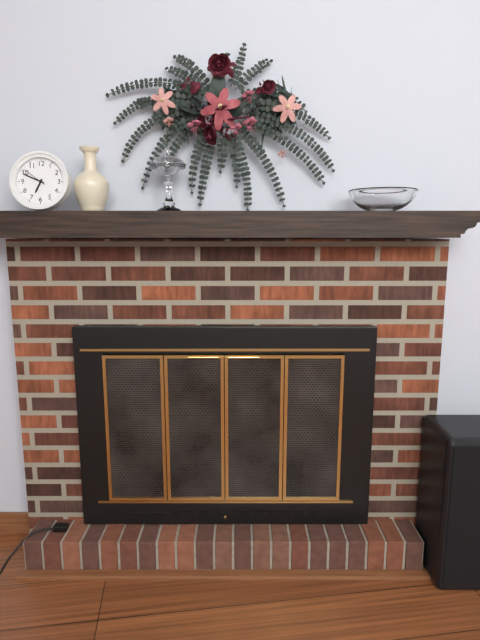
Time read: **6:49**
